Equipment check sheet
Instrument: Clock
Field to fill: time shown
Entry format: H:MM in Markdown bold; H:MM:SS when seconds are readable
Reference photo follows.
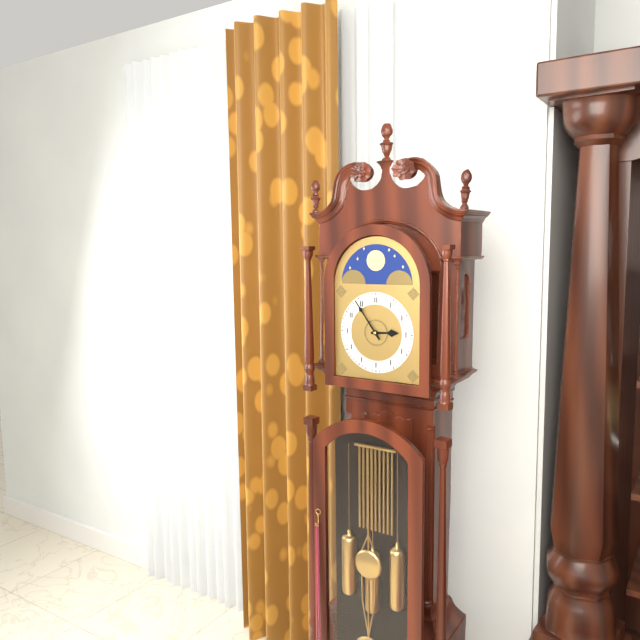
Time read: **2:54**
